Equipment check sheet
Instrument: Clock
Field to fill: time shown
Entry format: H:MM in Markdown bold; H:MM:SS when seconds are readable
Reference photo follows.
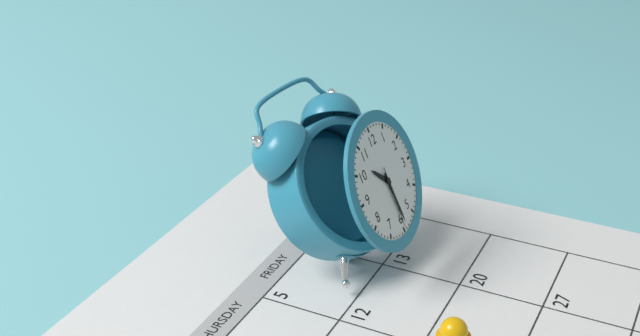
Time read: **10:29:30**
